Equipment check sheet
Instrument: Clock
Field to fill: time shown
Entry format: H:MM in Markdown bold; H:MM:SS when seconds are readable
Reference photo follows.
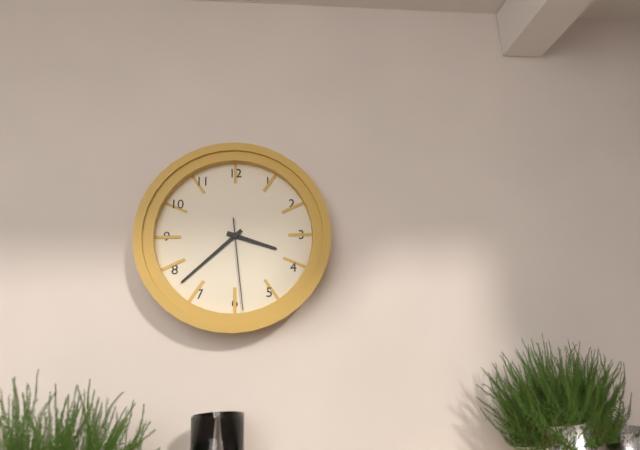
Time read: **3:38:29**
